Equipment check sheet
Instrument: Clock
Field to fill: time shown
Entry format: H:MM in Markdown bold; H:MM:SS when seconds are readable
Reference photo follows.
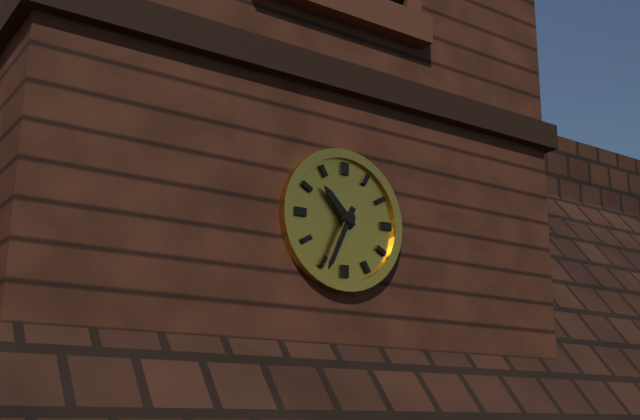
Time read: **10:34**
